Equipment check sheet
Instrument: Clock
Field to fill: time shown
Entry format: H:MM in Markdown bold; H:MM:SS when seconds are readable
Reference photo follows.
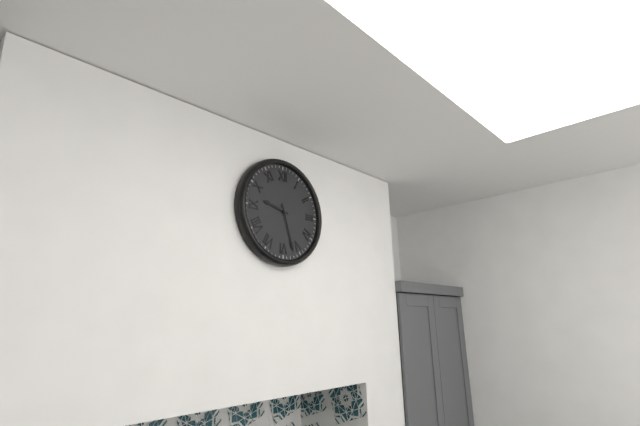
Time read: **9:27**
